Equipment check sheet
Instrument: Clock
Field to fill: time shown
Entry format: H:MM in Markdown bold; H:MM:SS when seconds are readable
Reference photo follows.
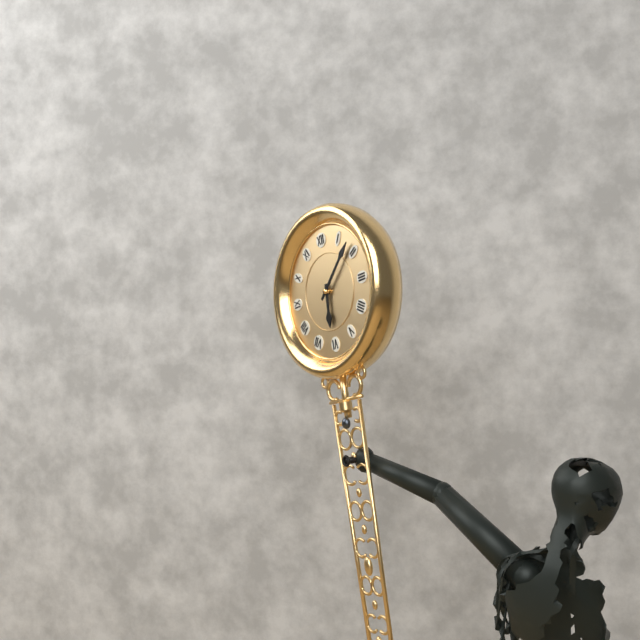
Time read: **6:08**
